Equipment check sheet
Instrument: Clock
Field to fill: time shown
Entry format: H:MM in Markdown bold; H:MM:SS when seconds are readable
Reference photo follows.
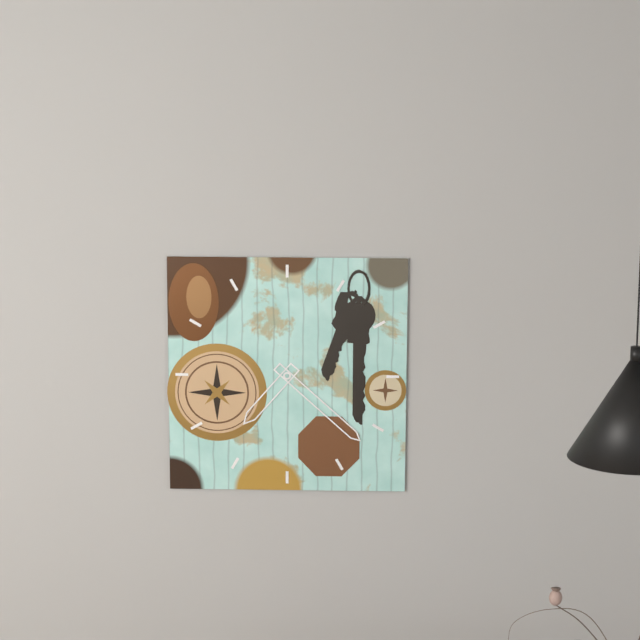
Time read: **7:22**
